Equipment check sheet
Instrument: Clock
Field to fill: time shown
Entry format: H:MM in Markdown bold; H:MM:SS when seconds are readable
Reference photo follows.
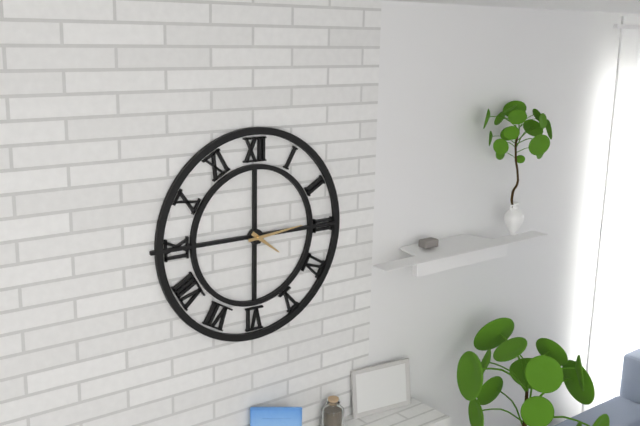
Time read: **4:14**
